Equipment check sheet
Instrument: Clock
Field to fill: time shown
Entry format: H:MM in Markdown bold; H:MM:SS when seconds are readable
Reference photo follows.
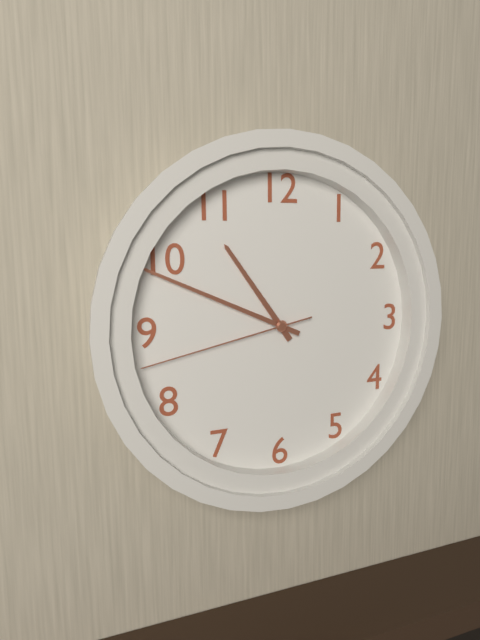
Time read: **10:49:43**
